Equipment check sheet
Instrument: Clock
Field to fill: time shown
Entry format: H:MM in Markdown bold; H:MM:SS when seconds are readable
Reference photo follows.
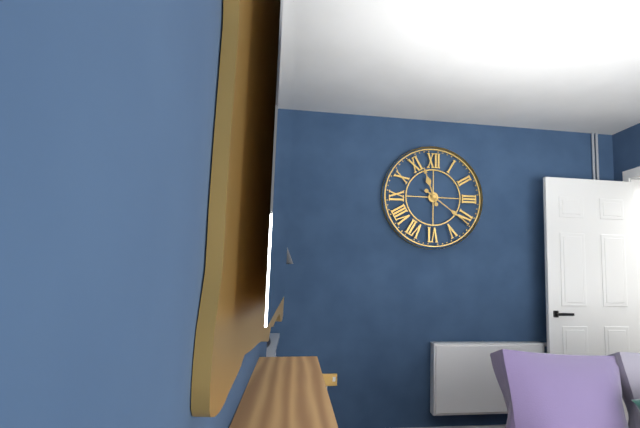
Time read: **11:21**
